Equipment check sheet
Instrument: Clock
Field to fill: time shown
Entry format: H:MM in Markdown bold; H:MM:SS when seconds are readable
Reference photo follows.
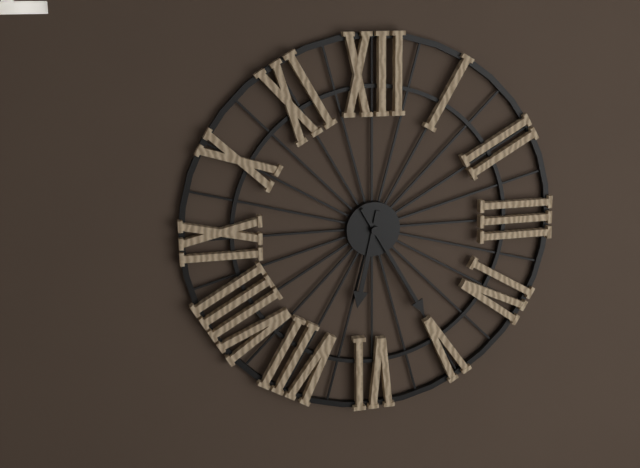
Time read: **6:25**
